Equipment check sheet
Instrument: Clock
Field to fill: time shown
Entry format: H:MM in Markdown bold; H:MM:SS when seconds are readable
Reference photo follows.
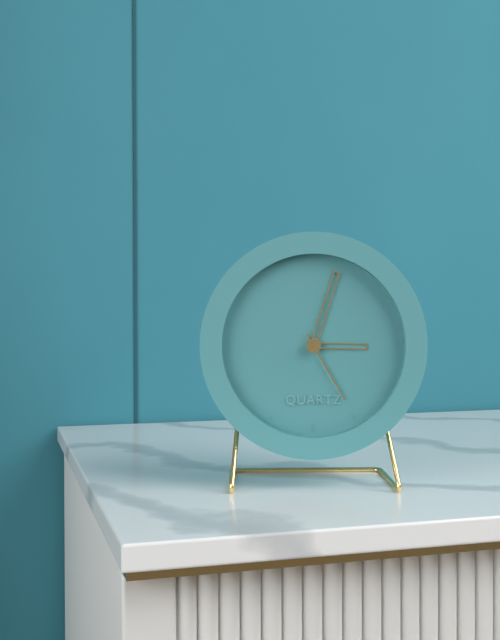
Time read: **3:03:25**
